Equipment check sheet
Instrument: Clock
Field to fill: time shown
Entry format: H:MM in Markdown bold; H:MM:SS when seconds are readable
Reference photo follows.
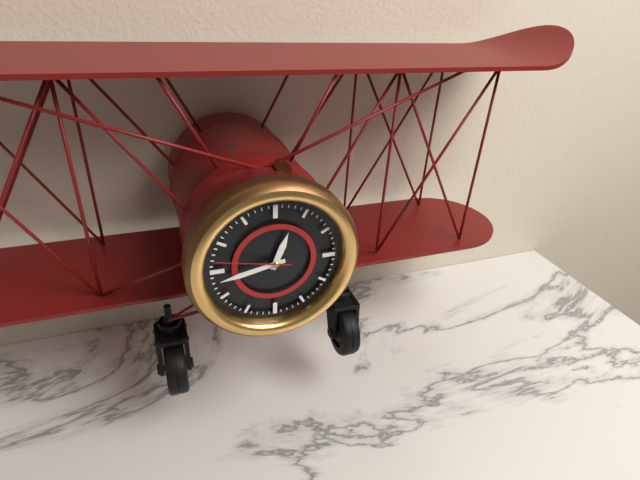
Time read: **12:43:47**
